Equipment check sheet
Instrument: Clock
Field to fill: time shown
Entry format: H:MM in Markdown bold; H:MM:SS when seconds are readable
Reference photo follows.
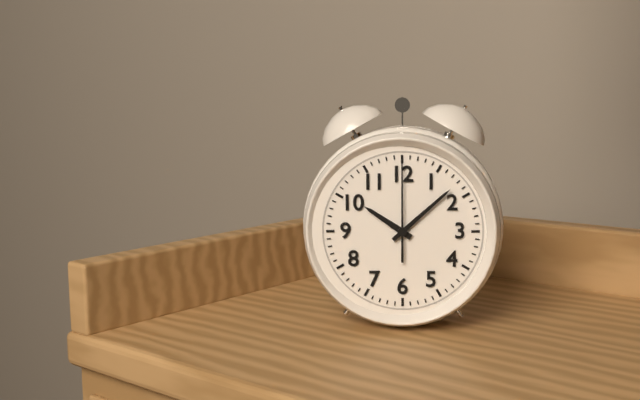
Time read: **10:08:00**
